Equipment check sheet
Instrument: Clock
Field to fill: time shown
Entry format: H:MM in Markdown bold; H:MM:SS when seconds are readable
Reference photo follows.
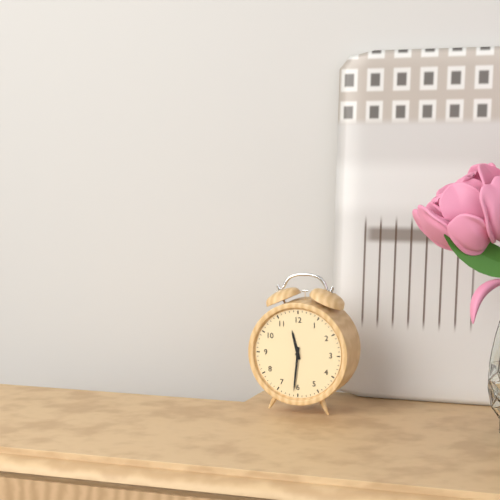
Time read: **11:31**
